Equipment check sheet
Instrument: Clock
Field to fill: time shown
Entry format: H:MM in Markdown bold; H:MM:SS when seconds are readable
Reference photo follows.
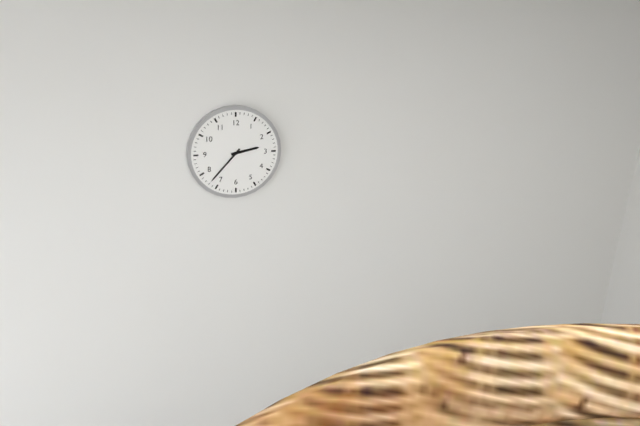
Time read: **2:37**
